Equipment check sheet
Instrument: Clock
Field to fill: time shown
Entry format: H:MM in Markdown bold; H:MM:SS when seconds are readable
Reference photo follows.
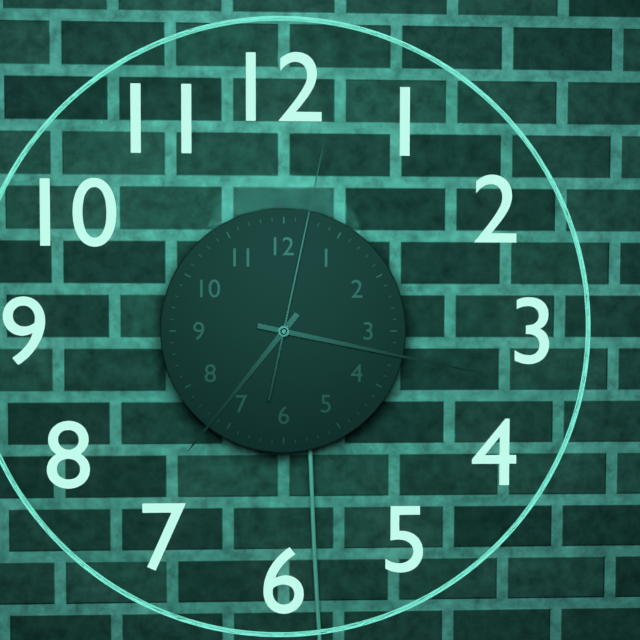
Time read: **7:17:02**
